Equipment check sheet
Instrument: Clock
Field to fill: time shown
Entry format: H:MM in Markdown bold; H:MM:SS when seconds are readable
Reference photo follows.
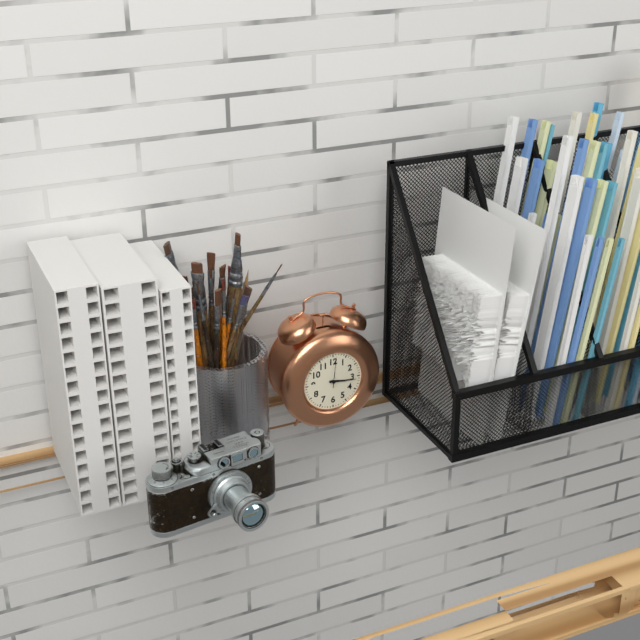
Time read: **3:16**
